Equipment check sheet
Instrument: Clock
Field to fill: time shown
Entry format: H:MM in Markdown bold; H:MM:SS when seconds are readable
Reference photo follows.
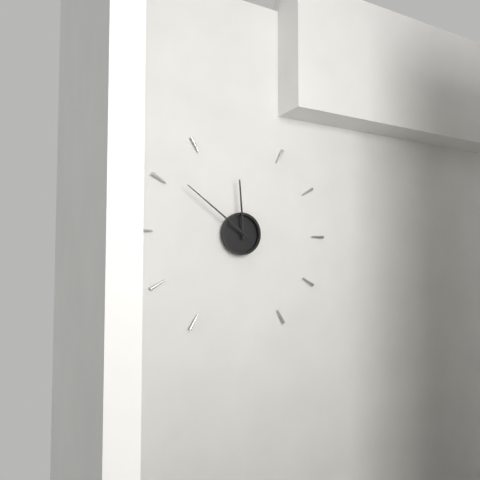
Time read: **11:51**
